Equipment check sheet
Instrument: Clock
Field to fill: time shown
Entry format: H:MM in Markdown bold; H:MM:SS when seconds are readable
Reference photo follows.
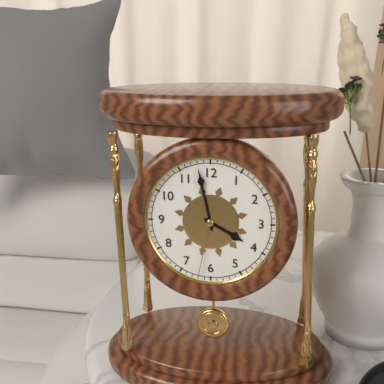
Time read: **3:58:32**
